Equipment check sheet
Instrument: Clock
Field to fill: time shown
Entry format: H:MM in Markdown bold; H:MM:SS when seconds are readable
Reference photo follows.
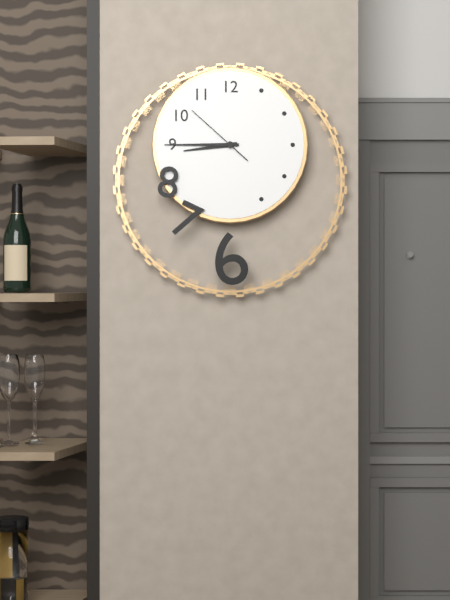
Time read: **8:45:52**
